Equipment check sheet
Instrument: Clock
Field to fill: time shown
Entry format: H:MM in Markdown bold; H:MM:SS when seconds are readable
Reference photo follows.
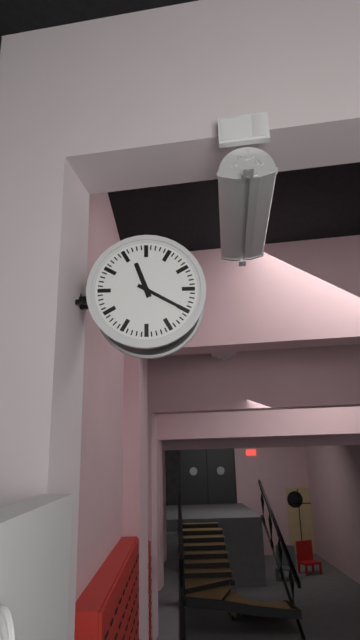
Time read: **11:20**
